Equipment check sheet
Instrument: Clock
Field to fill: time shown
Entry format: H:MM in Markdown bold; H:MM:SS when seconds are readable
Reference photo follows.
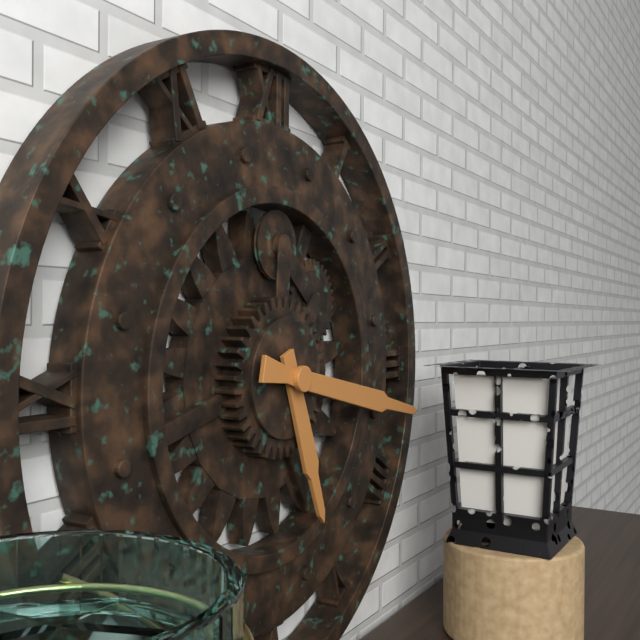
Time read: **5:17**
